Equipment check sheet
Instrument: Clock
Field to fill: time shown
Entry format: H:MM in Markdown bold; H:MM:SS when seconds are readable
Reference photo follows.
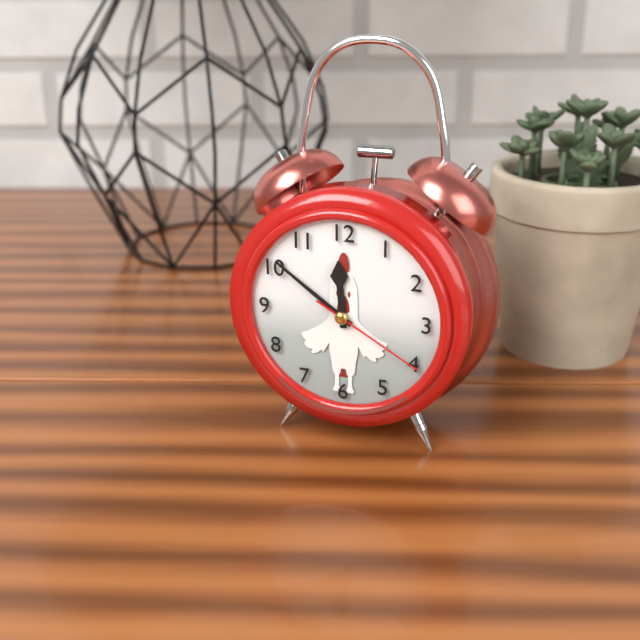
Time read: **11:51:20**
